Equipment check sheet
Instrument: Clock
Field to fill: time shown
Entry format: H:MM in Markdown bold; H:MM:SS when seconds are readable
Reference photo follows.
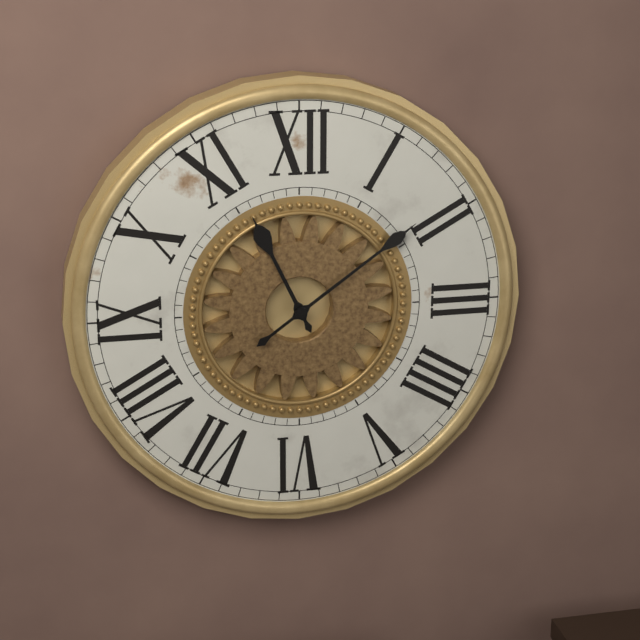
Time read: **11:09**
